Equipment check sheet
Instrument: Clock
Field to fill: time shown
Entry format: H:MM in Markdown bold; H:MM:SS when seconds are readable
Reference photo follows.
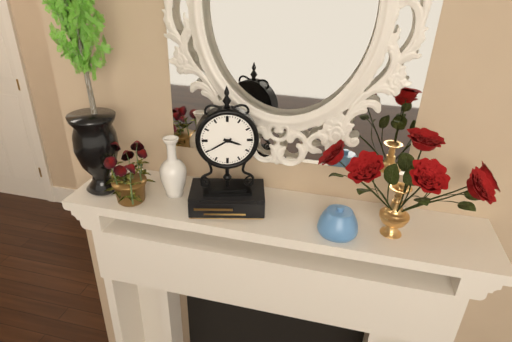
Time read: **3:40**
